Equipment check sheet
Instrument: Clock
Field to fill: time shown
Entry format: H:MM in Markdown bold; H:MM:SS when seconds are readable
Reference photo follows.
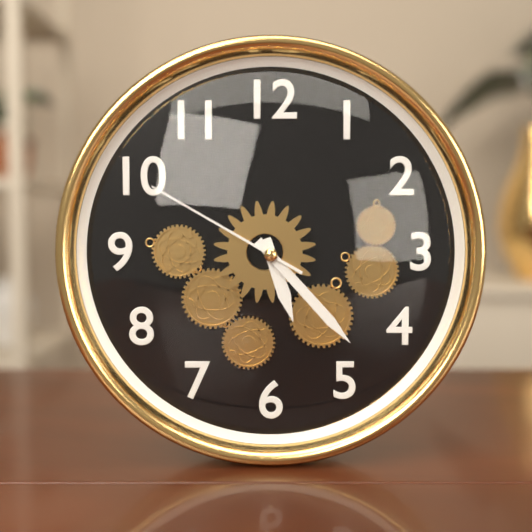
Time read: **5:23:50**
